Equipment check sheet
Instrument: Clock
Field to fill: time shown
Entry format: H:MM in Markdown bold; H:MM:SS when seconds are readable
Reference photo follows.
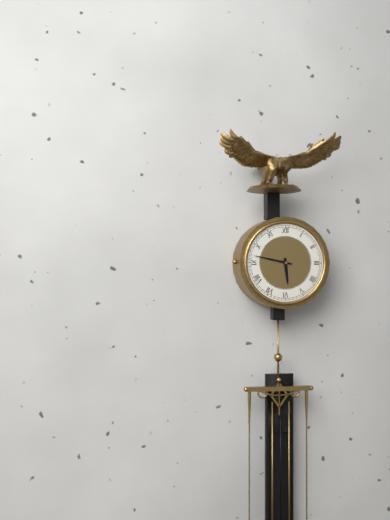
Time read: **5:47**
